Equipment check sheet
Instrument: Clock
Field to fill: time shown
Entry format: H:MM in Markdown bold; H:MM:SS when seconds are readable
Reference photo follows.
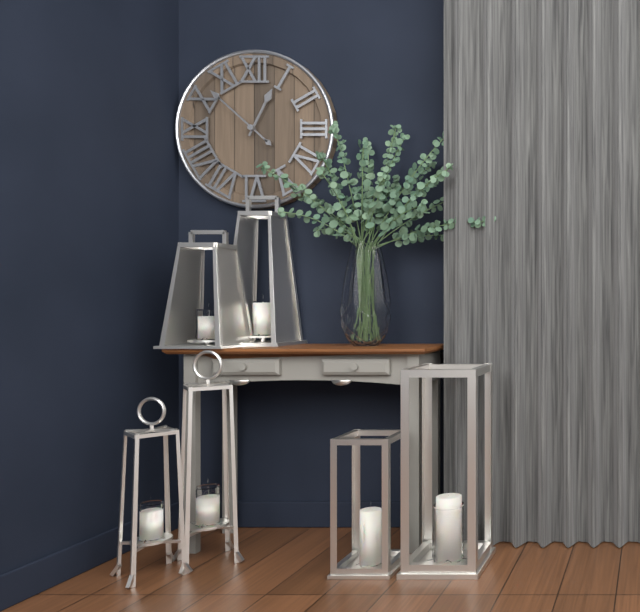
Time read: **12:52**
